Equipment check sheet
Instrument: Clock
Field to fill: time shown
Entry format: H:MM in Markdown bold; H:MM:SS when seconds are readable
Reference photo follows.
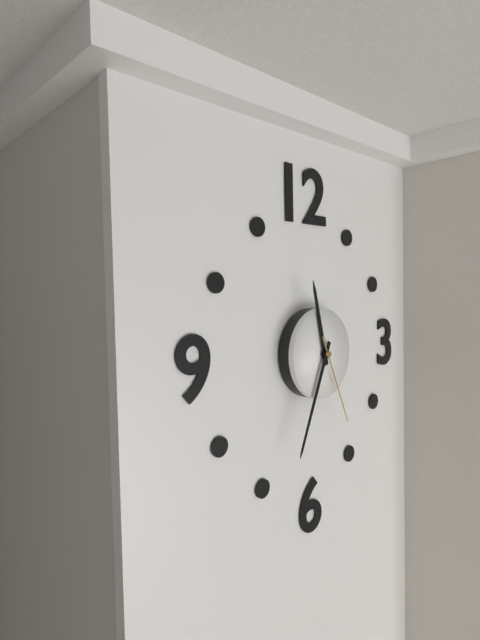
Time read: **11:34:26**
